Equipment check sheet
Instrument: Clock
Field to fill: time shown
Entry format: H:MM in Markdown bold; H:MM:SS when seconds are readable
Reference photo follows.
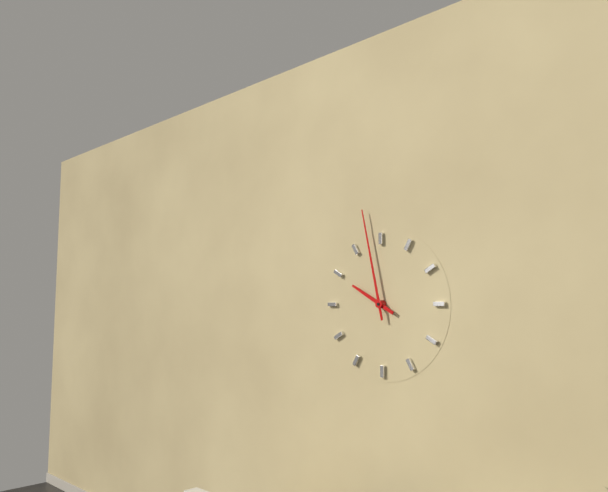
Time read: **9:58**
